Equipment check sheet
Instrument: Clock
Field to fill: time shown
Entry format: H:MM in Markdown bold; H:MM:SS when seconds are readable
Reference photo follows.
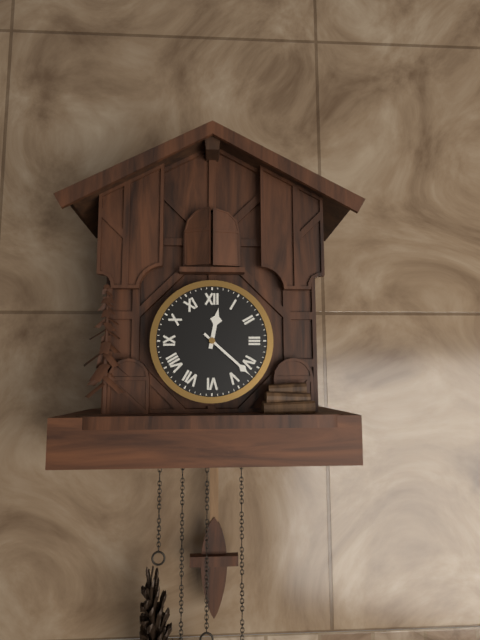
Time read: **12:22**
